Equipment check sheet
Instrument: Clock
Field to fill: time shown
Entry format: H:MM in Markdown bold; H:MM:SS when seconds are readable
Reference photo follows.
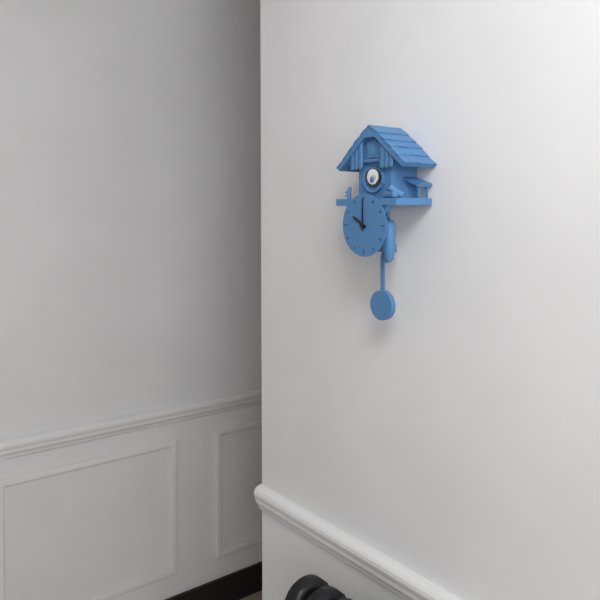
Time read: **10:00**
